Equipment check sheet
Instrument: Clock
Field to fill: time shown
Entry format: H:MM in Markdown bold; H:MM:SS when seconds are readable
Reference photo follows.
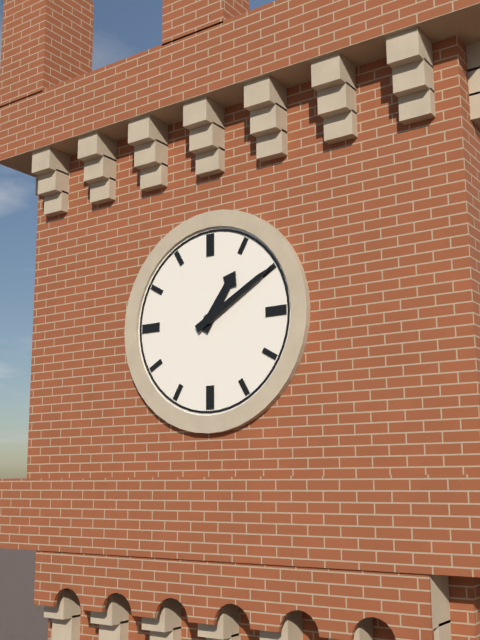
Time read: **1:10**
